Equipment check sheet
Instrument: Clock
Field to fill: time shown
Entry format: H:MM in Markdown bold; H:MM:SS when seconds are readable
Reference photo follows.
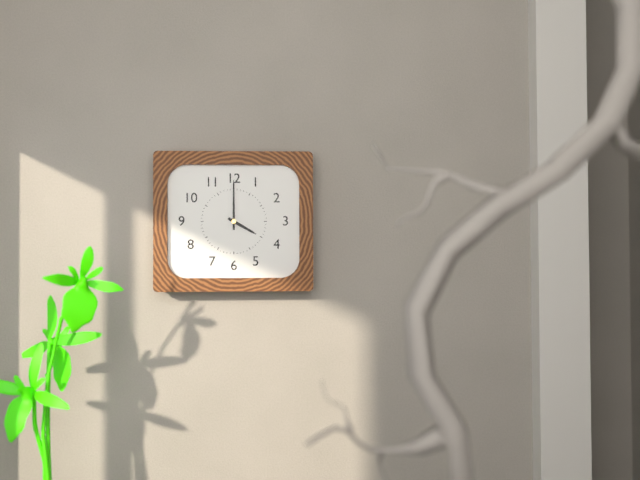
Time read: **4:00**
